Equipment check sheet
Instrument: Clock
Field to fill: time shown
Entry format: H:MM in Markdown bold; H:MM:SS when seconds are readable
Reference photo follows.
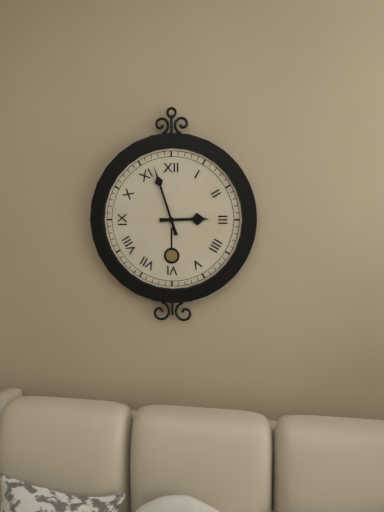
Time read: **2:57**
